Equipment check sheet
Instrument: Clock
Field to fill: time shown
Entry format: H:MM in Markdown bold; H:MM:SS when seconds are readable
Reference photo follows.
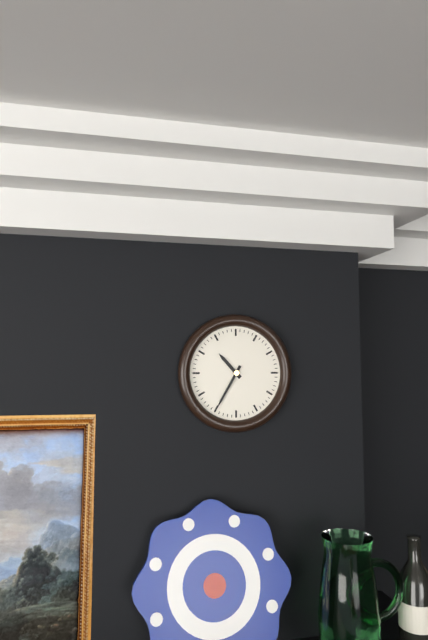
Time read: **10:35**
